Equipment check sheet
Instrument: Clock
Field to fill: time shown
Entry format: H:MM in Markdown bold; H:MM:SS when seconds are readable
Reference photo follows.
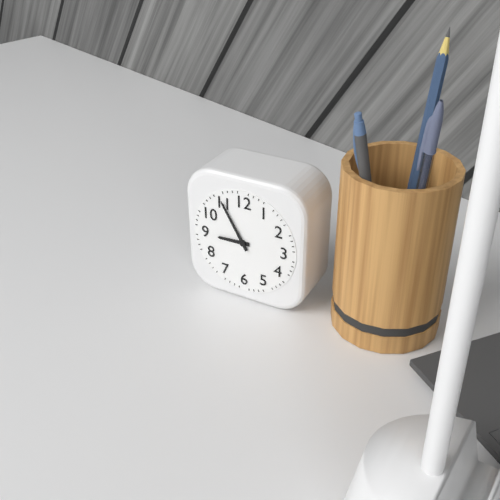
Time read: **8:55**
